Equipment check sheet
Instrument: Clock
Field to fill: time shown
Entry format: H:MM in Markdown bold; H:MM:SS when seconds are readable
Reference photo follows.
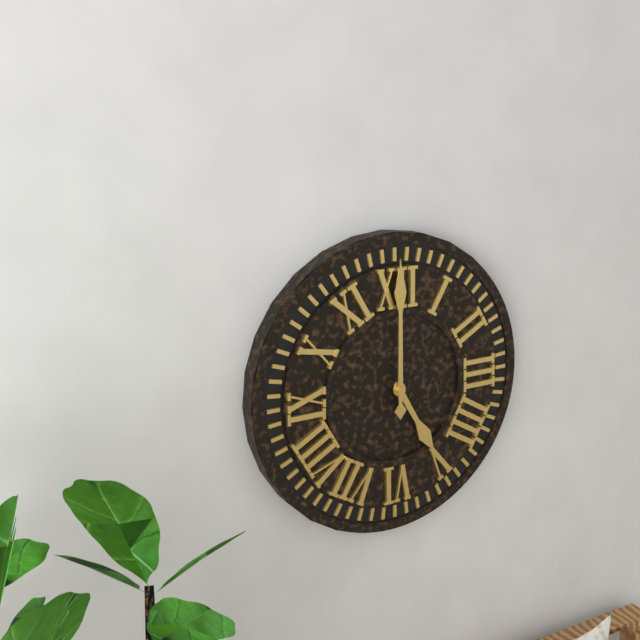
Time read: **5:00**
